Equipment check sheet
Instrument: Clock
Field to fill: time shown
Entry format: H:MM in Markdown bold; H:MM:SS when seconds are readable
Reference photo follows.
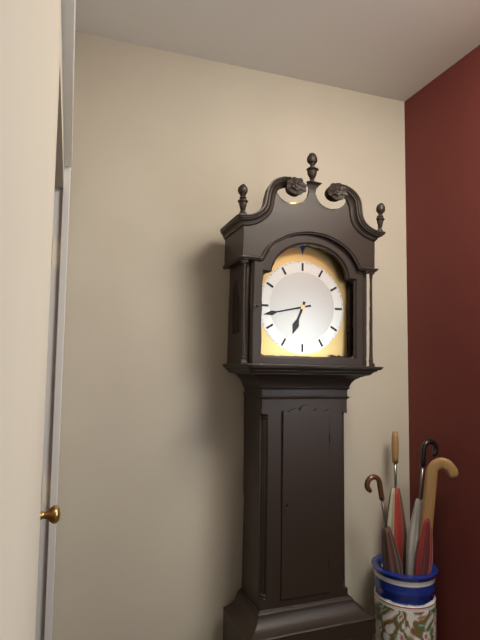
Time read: **6:43**
